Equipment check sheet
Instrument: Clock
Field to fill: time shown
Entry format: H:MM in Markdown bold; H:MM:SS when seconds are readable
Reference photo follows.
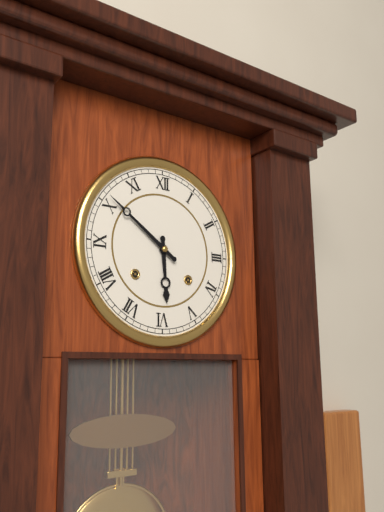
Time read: **5:51**
